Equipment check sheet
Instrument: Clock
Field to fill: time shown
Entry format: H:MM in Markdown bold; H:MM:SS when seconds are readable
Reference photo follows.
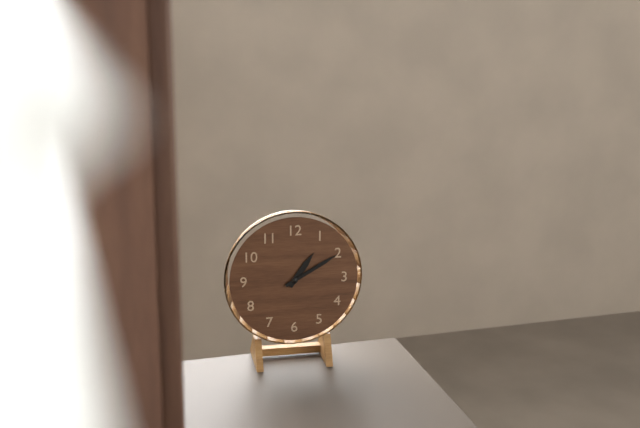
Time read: **1:10**
